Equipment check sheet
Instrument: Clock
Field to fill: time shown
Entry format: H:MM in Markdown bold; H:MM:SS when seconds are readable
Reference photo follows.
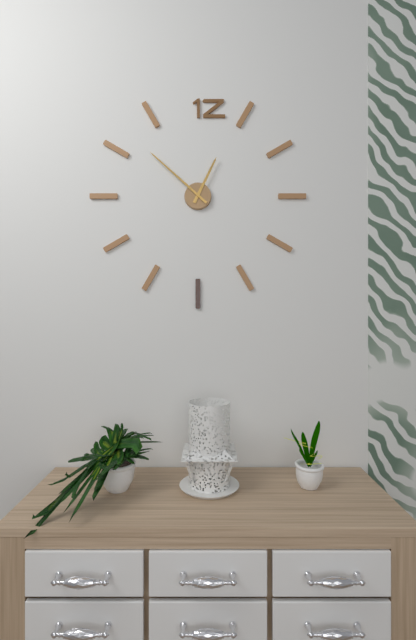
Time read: **12:52**
